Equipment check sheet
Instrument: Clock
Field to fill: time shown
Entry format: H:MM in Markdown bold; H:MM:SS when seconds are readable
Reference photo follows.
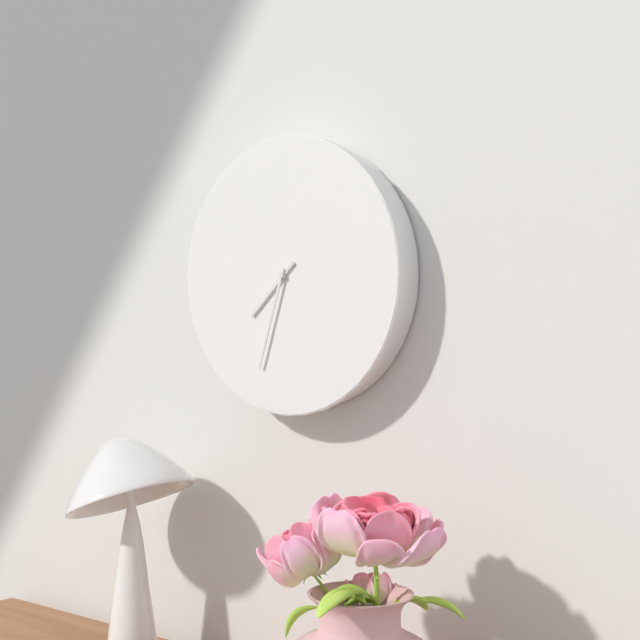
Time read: **7:33**
